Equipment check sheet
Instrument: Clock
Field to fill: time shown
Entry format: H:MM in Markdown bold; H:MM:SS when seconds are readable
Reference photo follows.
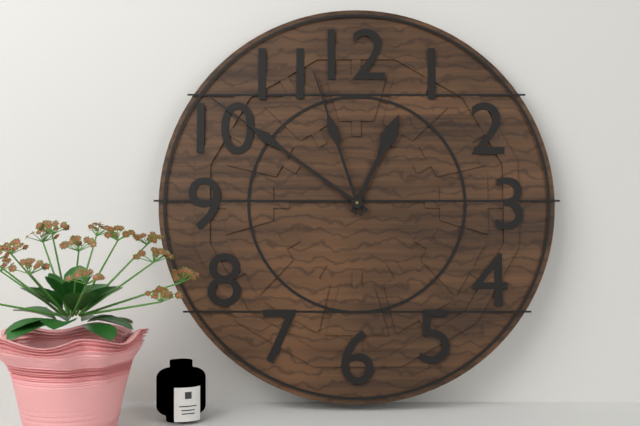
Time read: **12:51:57**
